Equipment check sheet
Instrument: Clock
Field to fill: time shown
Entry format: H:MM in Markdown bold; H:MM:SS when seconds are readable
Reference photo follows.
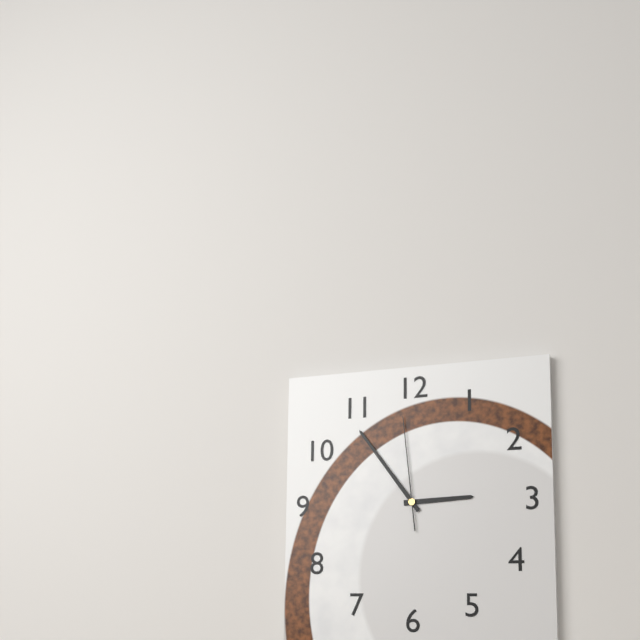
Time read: **2:54:59**
